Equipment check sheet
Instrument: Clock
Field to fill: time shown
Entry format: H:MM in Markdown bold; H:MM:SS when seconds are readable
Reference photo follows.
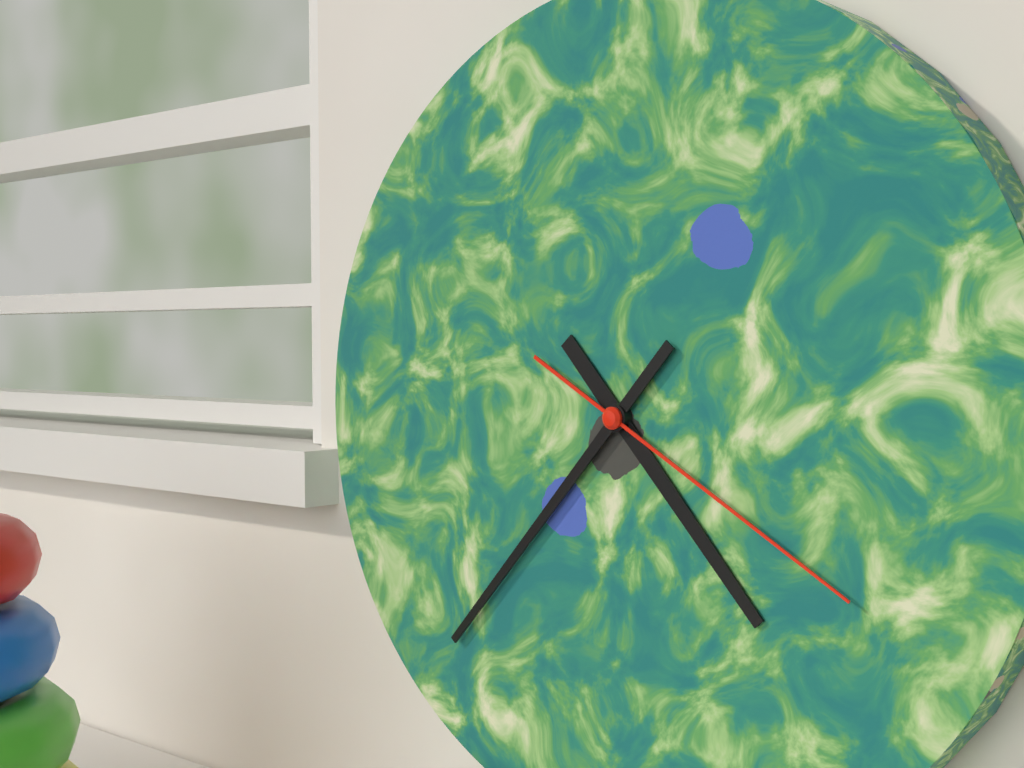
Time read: **4:37:20**
